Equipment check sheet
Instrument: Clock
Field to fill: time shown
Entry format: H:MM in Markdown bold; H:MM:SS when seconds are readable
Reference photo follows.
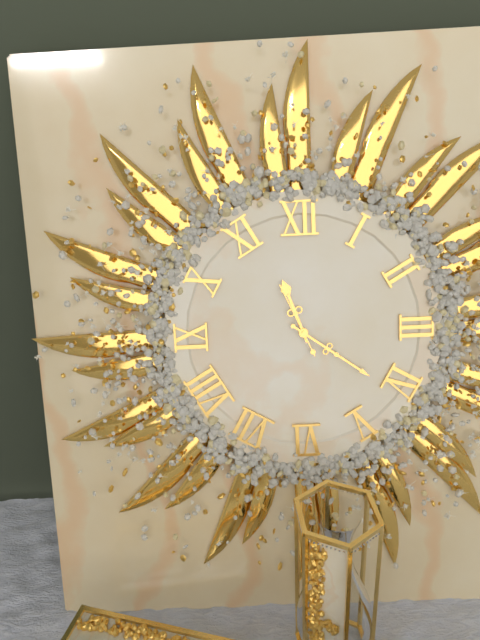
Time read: **11:21:56**
